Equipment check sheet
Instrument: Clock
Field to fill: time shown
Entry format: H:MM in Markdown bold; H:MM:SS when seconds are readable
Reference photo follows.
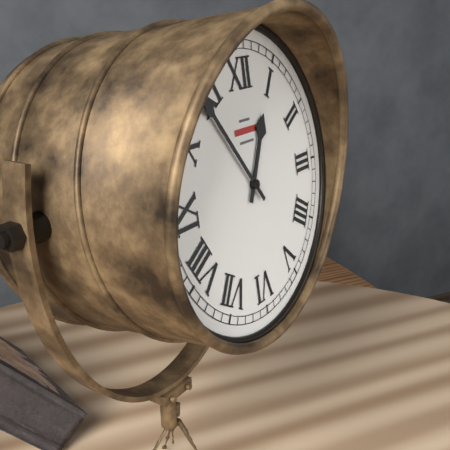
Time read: **12:54**
